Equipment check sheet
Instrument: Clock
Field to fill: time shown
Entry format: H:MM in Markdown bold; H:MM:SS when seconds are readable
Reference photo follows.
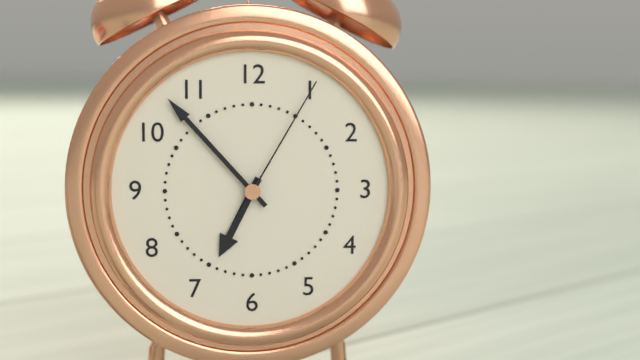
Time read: **6:53:05**
